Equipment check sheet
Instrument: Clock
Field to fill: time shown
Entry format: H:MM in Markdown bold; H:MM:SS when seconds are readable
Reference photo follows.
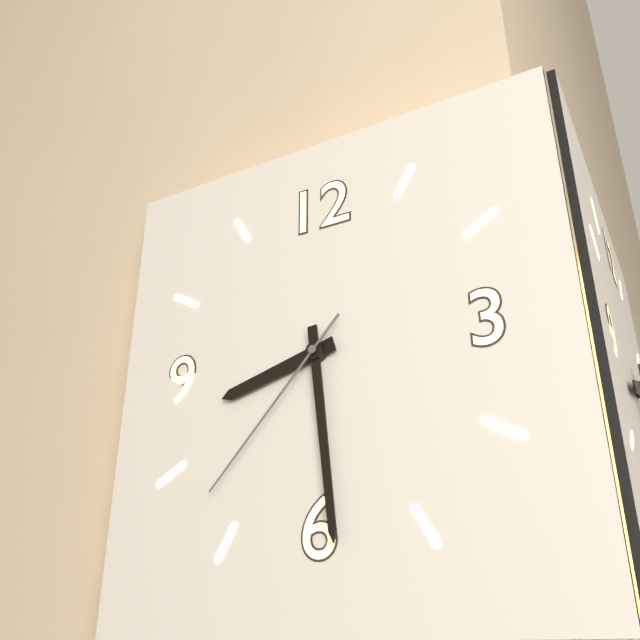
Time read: **8:29:37**
